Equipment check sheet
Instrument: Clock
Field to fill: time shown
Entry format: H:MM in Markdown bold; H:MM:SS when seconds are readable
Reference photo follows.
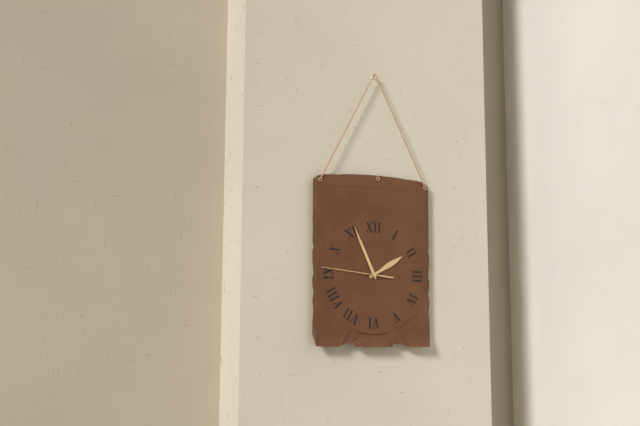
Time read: **1:56:46**
